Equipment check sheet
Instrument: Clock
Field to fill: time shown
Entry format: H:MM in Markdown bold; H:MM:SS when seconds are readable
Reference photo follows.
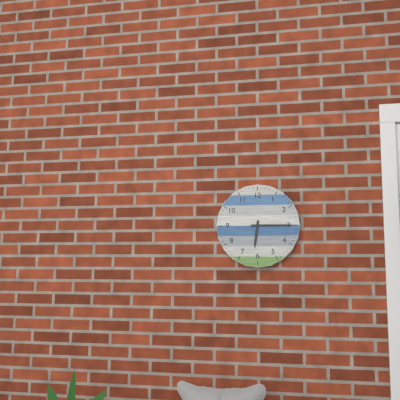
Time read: **6:15**
